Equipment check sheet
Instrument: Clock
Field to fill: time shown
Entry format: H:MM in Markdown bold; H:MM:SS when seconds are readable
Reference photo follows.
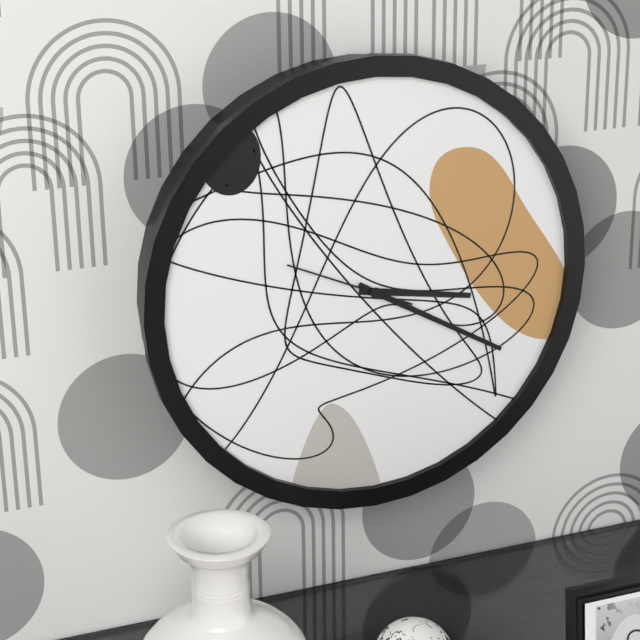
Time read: **3:20:49**
